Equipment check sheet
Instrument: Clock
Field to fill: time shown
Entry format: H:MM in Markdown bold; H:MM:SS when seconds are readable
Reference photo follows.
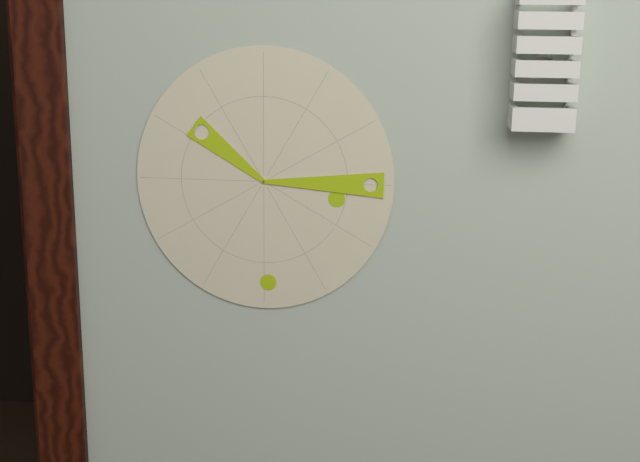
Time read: **10:15**
